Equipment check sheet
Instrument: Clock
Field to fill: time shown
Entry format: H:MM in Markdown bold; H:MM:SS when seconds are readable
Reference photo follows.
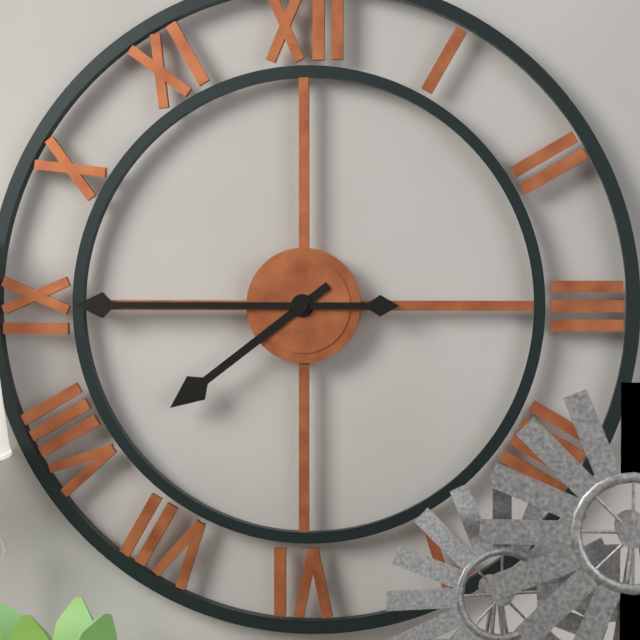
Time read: **7:45**
